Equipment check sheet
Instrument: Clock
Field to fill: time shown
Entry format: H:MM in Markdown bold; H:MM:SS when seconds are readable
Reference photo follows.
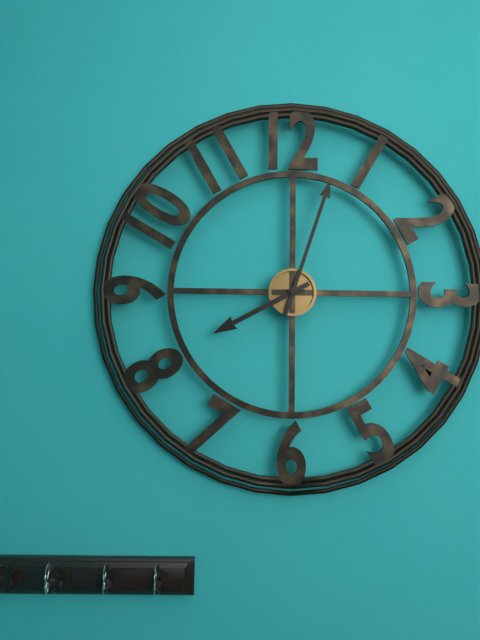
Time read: **8:03**
